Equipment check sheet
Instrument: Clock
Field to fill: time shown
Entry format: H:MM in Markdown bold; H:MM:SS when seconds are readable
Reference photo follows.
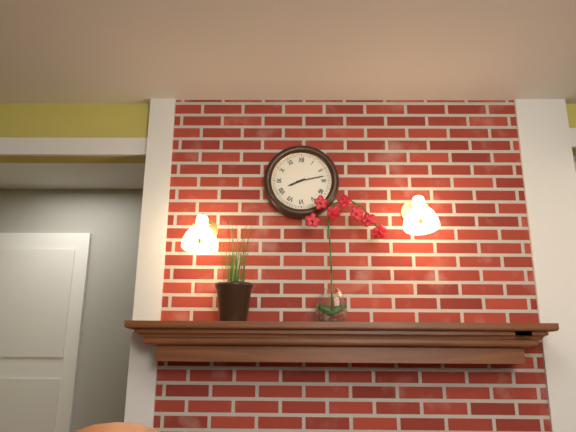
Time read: **8:13**
